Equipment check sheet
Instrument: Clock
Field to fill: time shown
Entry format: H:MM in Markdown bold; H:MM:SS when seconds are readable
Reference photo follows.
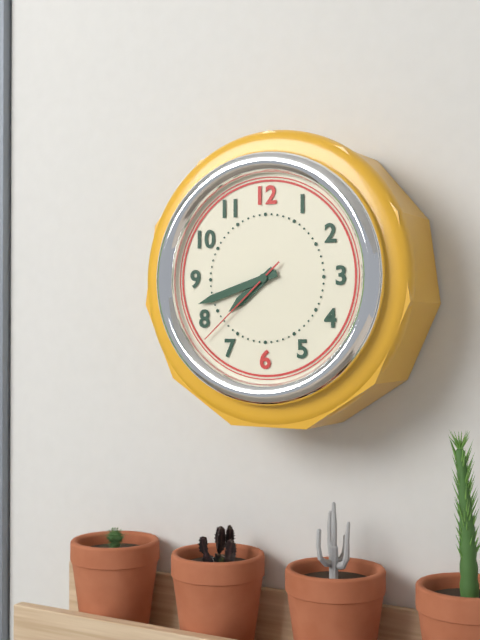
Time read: **7:42:38**
